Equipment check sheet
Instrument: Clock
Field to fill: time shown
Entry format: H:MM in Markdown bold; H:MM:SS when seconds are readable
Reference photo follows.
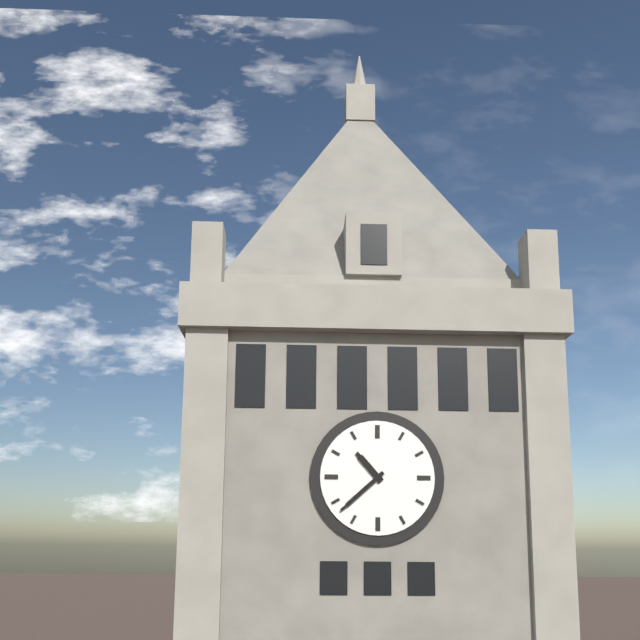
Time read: **10:38**
